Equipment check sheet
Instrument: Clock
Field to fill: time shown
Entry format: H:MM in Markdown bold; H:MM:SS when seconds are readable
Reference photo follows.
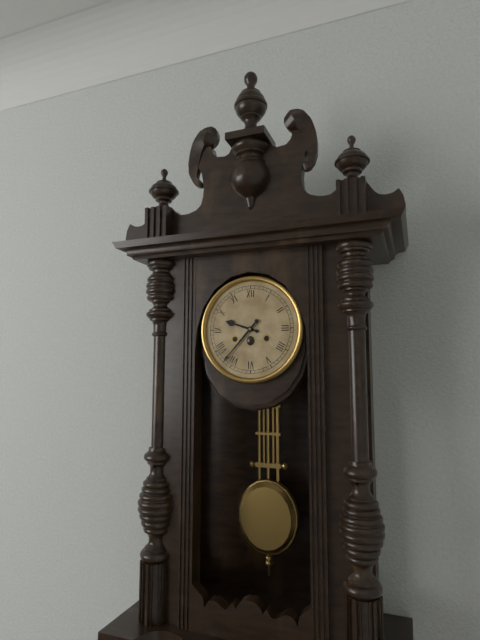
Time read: **9:37**
